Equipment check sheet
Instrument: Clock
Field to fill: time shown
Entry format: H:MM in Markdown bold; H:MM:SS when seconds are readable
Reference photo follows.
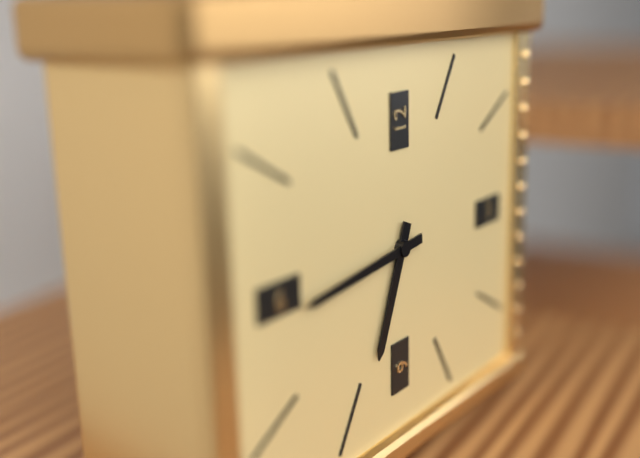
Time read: **6:44**
